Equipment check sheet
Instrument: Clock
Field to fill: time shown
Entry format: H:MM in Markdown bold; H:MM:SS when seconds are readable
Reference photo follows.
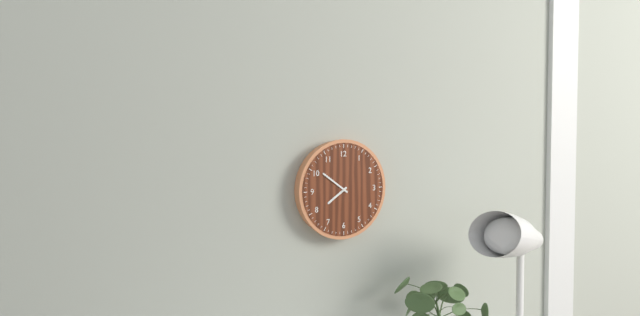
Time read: **7:51**
